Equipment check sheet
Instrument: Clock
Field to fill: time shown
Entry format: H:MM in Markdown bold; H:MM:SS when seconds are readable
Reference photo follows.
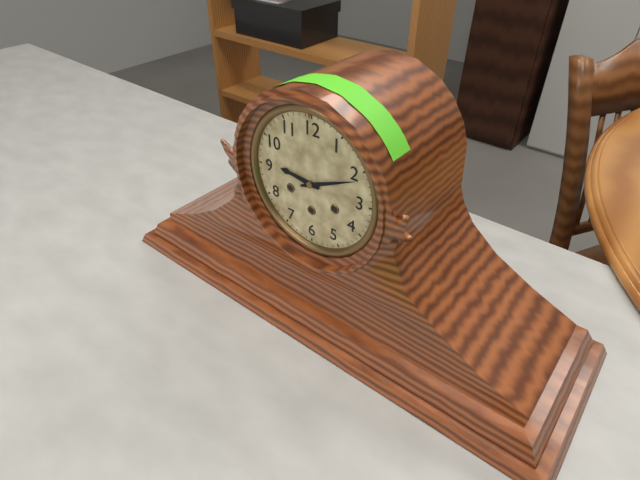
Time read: **9:11**
